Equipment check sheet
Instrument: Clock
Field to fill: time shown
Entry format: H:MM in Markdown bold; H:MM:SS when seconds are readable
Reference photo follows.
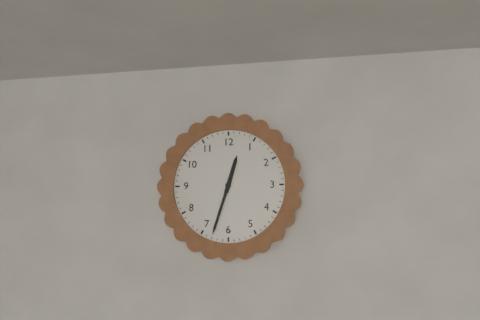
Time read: **12:33**
